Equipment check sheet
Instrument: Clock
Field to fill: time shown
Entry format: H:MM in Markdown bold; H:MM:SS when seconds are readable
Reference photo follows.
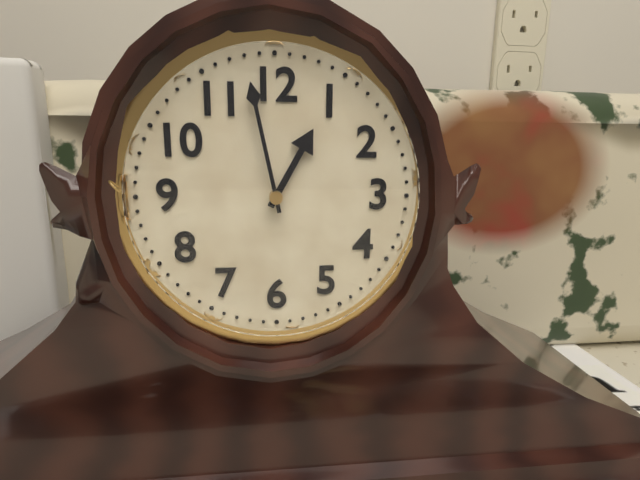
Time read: **12:58**
